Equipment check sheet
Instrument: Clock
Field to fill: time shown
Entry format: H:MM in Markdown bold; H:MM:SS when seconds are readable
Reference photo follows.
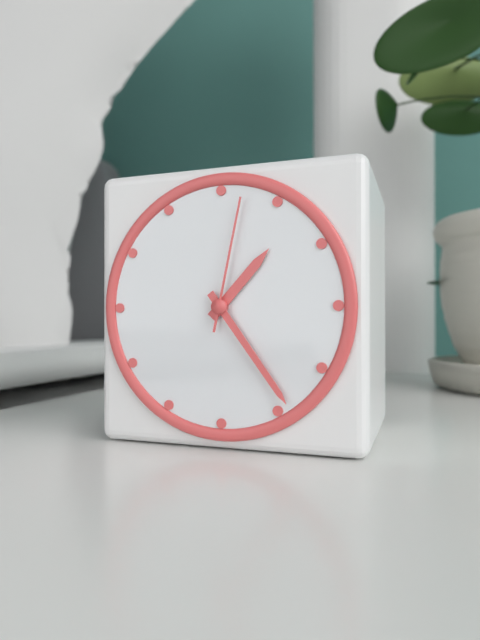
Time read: **1:24:02**
